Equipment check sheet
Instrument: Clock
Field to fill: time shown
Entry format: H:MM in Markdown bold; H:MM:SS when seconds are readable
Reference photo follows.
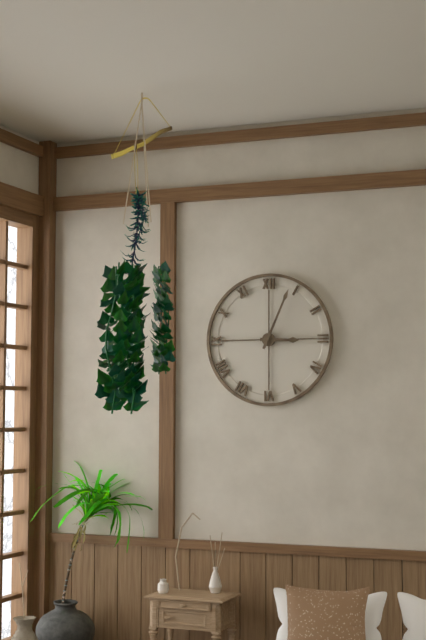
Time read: **3:04**
